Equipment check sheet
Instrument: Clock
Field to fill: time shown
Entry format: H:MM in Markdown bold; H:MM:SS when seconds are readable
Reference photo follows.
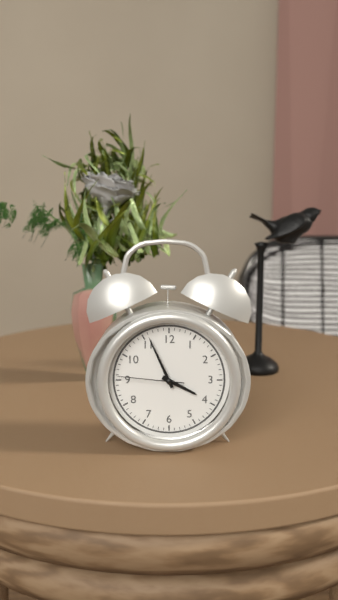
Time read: **3:56:46**
